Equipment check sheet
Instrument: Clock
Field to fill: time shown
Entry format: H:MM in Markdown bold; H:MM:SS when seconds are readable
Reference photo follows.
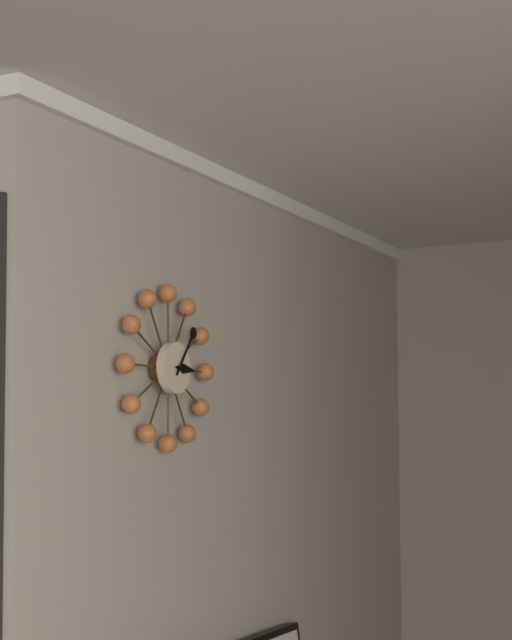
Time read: **3:06**
